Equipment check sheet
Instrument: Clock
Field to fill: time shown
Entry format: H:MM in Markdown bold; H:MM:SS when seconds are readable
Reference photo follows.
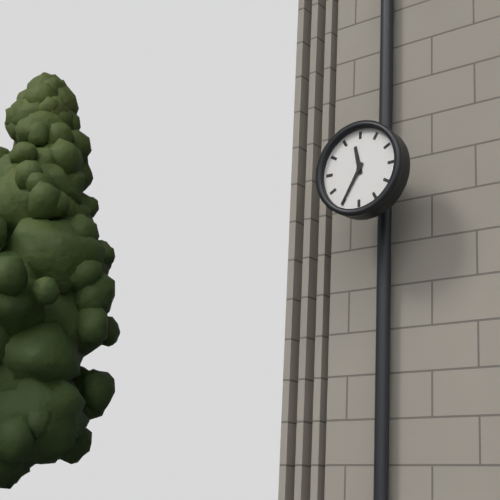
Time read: **11:35**
